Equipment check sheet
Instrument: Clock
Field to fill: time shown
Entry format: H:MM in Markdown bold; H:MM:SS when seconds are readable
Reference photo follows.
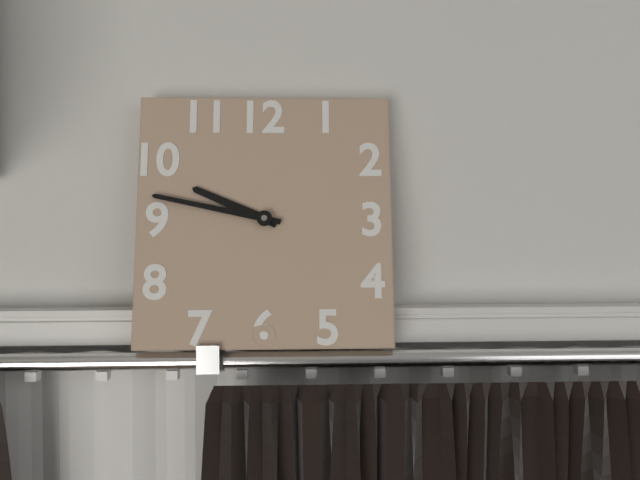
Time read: **9:47**
